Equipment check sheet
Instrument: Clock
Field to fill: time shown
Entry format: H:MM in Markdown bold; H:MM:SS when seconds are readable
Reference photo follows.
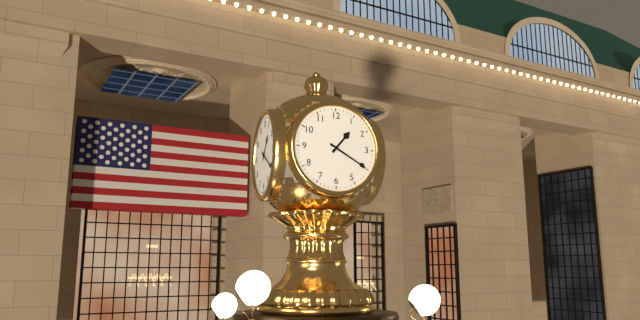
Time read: **1:20**
